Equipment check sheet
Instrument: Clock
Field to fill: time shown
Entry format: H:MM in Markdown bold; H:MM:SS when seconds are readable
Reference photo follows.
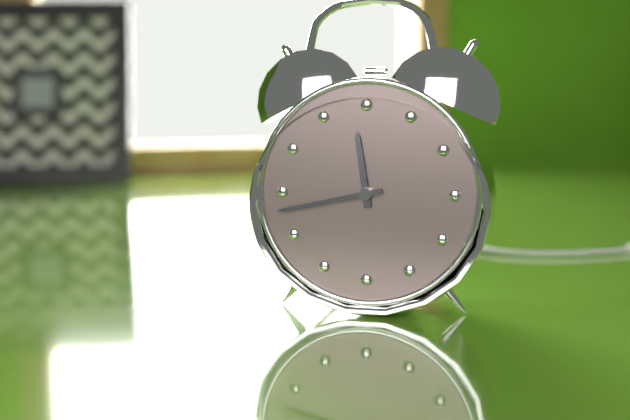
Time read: **11:43**
